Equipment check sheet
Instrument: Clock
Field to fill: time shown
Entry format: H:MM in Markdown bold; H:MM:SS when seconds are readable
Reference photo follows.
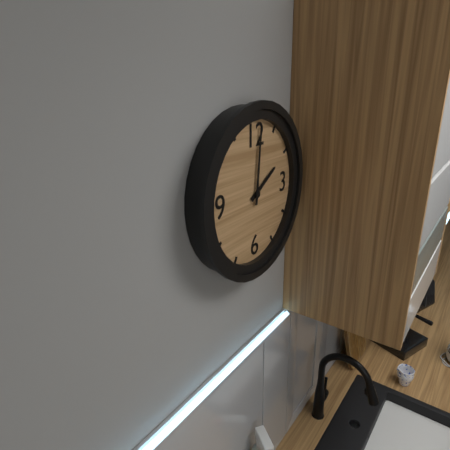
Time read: **2:01**
